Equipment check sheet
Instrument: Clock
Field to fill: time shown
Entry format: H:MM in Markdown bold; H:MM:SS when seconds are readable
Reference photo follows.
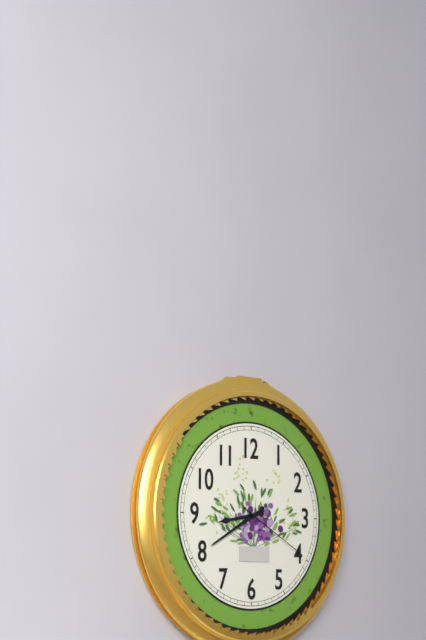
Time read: **8:40:20**
